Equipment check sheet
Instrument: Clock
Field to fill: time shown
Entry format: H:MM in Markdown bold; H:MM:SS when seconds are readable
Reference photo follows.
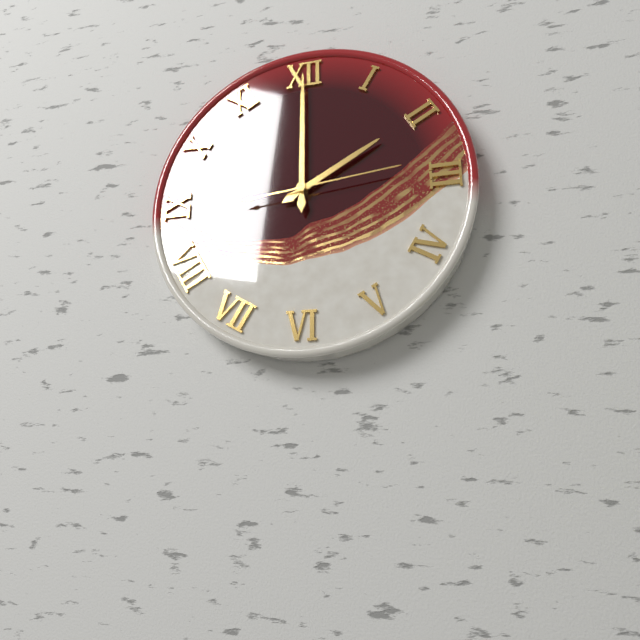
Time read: **2:00:14**
